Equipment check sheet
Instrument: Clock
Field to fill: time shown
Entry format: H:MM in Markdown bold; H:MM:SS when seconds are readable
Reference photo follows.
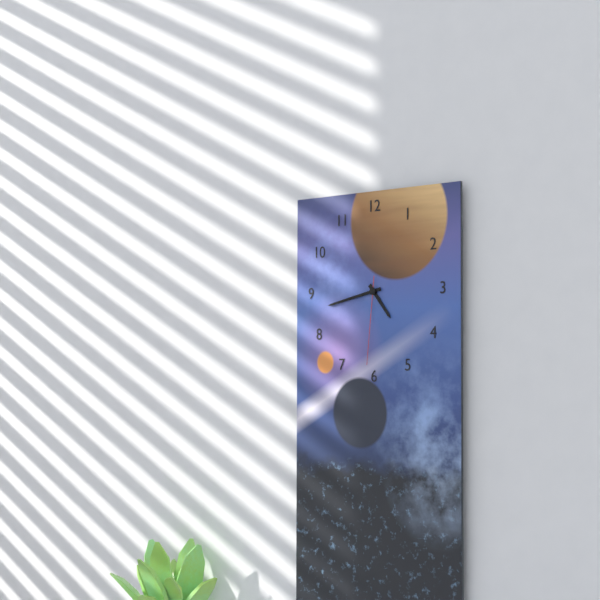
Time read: **4:43:31**
